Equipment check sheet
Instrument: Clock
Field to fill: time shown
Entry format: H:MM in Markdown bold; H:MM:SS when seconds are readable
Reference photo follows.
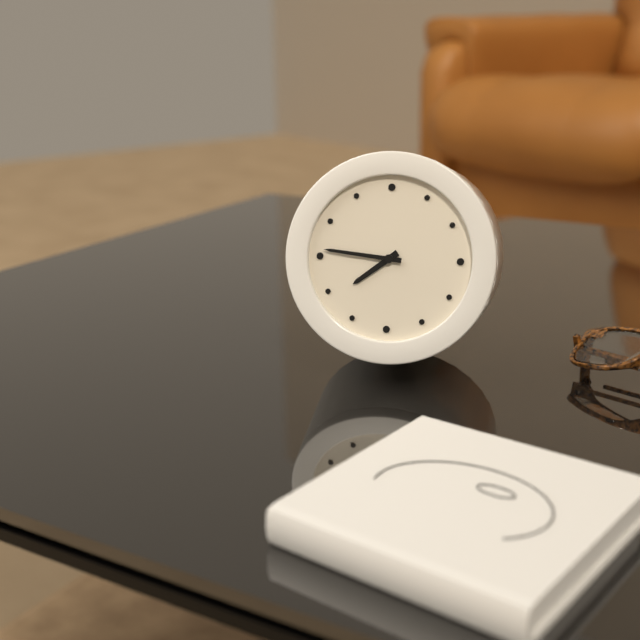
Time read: **7:46**
